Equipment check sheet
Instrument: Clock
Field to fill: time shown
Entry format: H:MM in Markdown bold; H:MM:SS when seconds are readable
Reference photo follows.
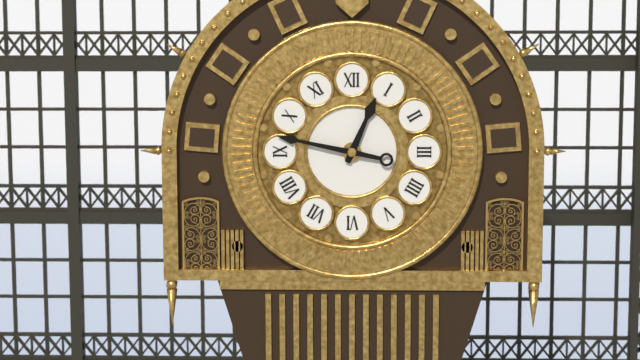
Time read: **12:47**
